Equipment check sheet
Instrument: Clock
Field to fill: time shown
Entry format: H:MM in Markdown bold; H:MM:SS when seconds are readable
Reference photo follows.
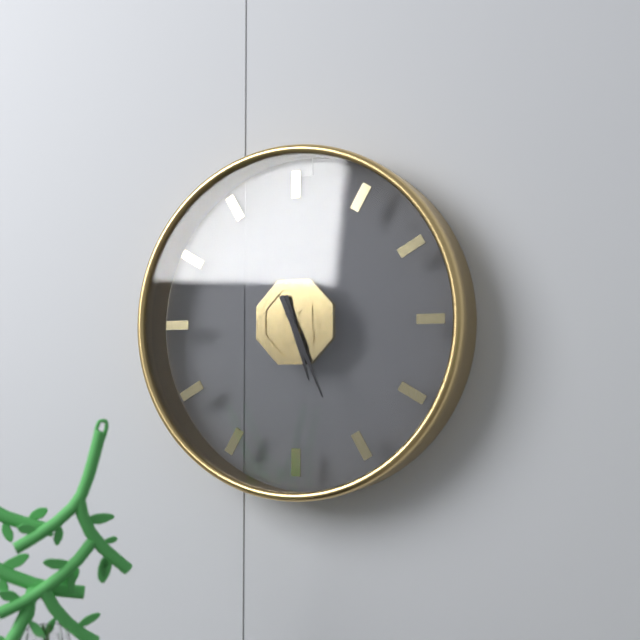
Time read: **5:26**
